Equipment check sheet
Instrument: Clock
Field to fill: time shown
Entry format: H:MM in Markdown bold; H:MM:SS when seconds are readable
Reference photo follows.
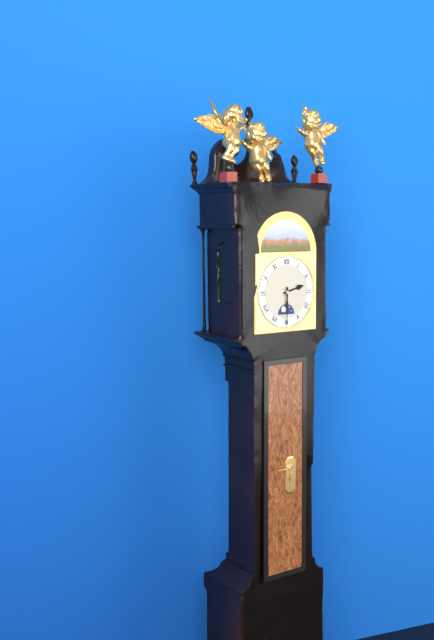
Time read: **2:30**
